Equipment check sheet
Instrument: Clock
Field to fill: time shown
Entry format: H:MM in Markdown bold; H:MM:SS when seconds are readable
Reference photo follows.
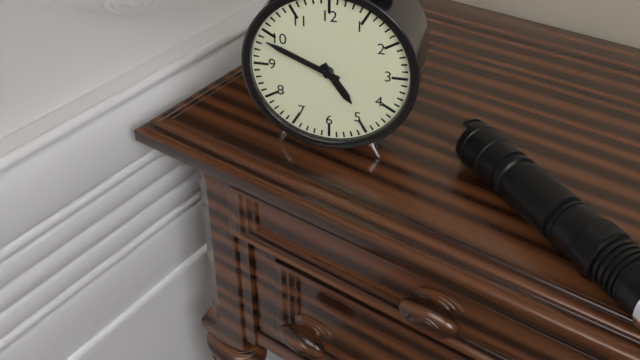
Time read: **4:49**
